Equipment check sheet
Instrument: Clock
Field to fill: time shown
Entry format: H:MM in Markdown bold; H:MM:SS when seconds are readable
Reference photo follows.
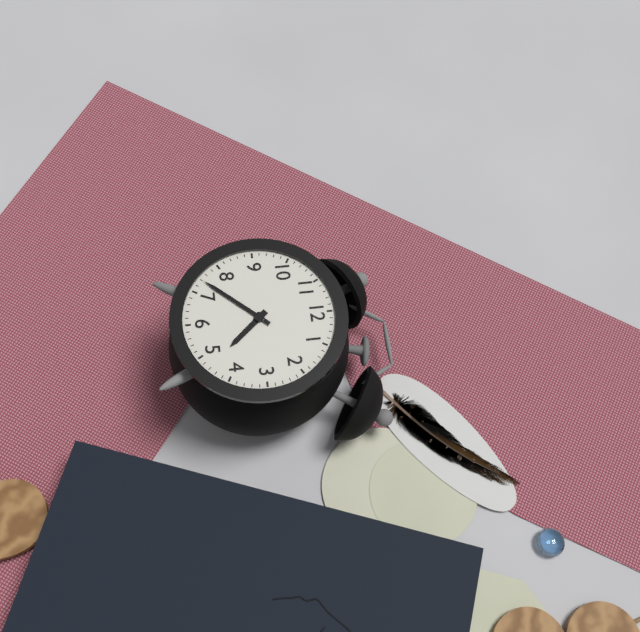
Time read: **4:37**
